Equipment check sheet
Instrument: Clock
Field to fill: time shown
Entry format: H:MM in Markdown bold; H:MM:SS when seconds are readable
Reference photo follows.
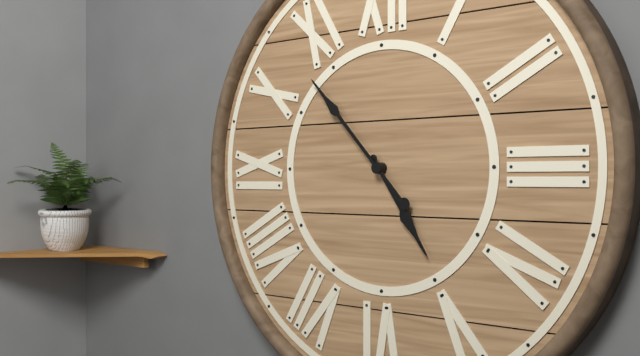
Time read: **4:53**
